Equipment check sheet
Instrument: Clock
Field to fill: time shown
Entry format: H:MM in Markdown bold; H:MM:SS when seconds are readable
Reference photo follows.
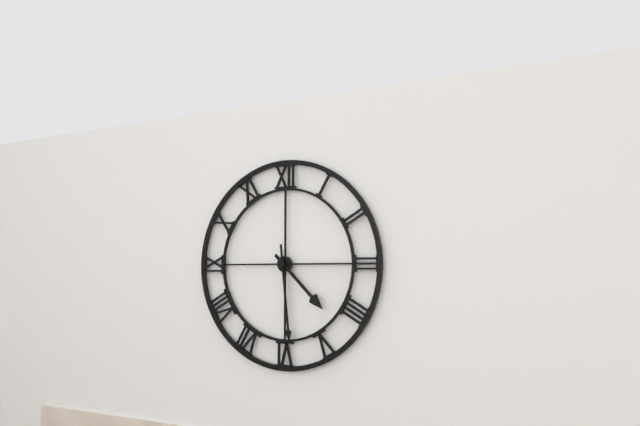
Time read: **4:29**
